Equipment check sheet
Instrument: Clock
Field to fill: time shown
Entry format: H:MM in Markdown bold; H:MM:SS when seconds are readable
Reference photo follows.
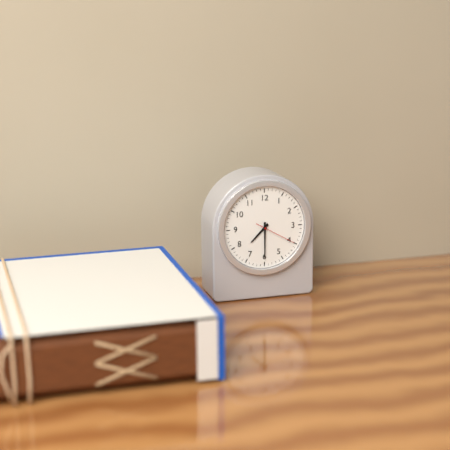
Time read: **7:30**
